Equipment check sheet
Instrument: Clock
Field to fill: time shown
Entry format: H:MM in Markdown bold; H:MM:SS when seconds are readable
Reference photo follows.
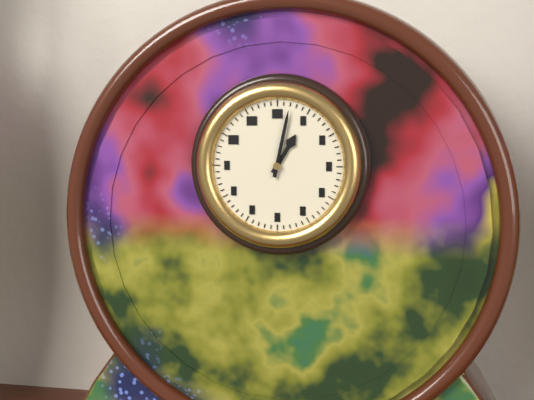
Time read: **1:02**
